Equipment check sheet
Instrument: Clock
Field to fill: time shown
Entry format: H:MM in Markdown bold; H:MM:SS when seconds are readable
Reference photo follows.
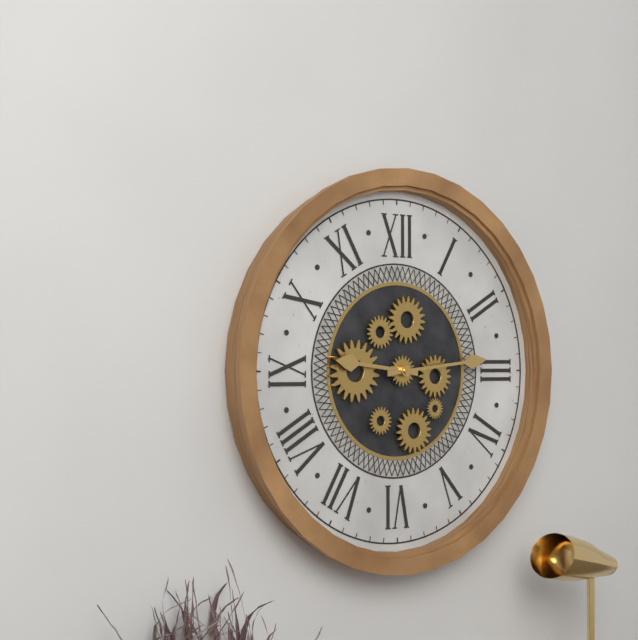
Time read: **9:14**
